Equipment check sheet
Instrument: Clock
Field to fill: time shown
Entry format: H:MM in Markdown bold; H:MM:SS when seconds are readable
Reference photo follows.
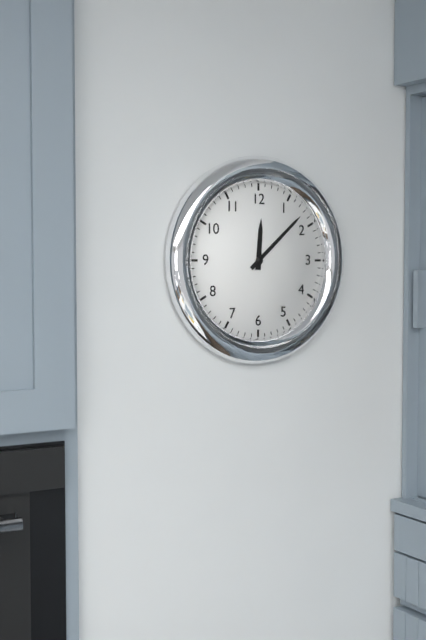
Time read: **12:08**
